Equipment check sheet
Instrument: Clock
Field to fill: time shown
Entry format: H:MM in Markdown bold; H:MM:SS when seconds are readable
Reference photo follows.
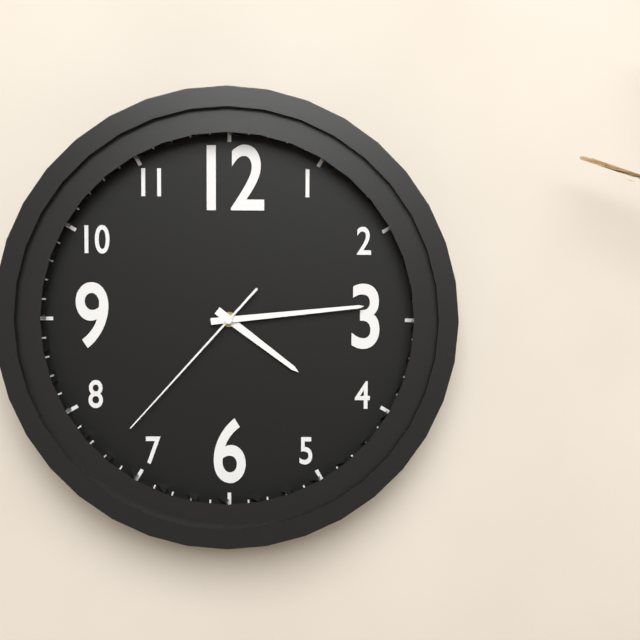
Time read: **4:14:37**
